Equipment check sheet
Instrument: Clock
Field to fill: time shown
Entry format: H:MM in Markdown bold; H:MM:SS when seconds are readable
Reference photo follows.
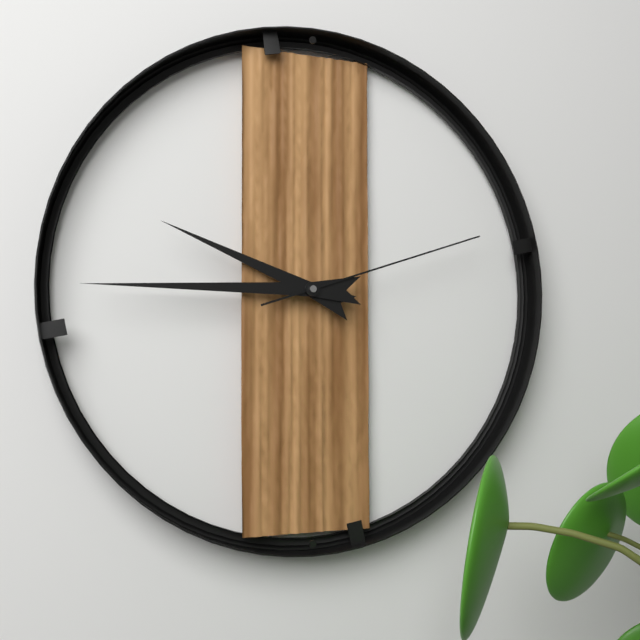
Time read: **9:45:12**
